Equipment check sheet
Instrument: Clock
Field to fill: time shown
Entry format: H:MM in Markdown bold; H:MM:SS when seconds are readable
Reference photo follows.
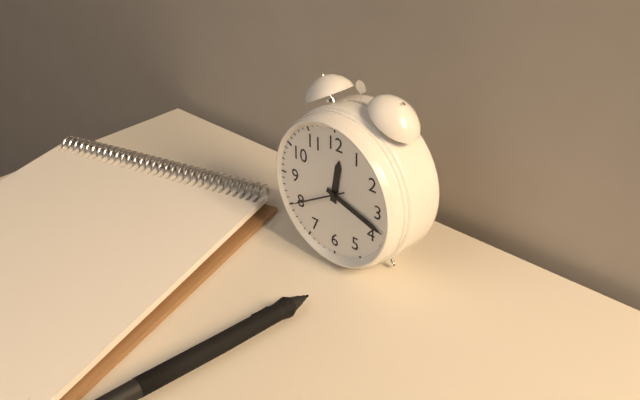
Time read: **12:18:40**
